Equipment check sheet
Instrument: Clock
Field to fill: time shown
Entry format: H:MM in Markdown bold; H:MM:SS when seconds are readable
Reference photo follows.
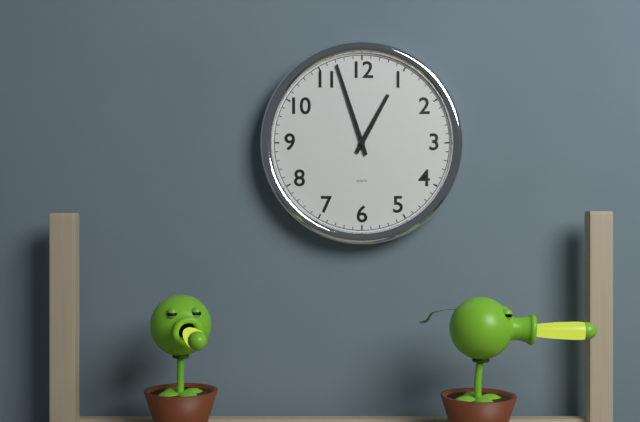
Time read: **12:57**
